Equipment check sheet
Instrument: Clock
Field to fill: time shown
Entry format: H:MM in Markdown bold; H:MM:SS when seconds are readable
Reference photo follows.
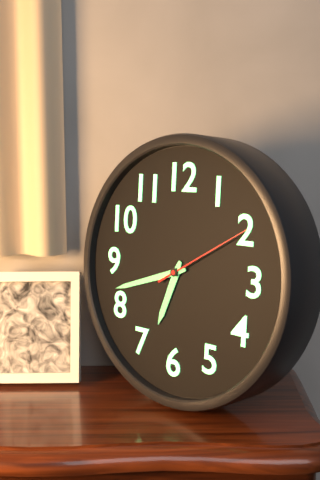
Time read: **6:42:10**
